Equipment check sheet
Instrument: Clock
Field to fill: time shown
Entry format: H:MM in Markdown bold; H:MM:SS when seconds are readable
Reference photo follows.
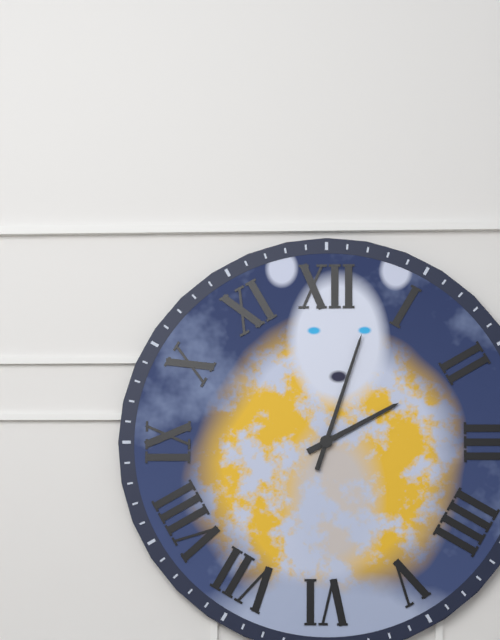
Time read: **2:03**
